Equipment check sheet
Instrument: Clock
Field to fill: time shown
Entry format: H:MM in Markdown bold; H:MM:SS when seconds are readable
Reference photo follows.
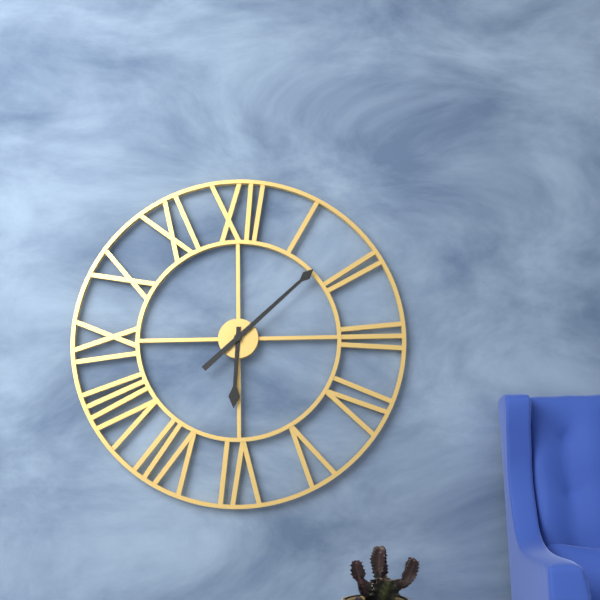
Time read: **6:08**
